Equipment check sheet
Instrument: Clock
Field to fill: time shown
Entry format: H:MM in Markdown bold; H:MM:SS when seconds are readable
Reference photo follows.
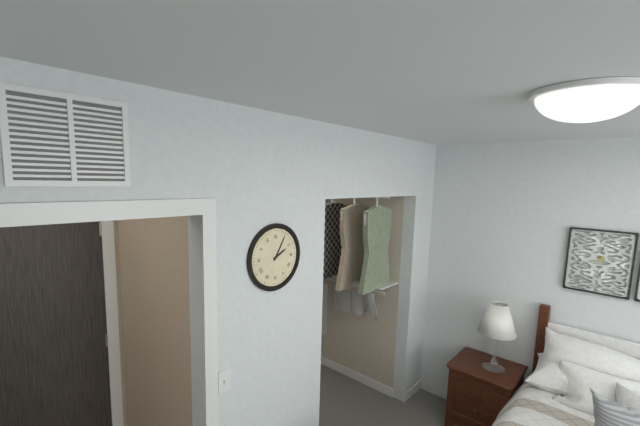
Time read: **2:05**
